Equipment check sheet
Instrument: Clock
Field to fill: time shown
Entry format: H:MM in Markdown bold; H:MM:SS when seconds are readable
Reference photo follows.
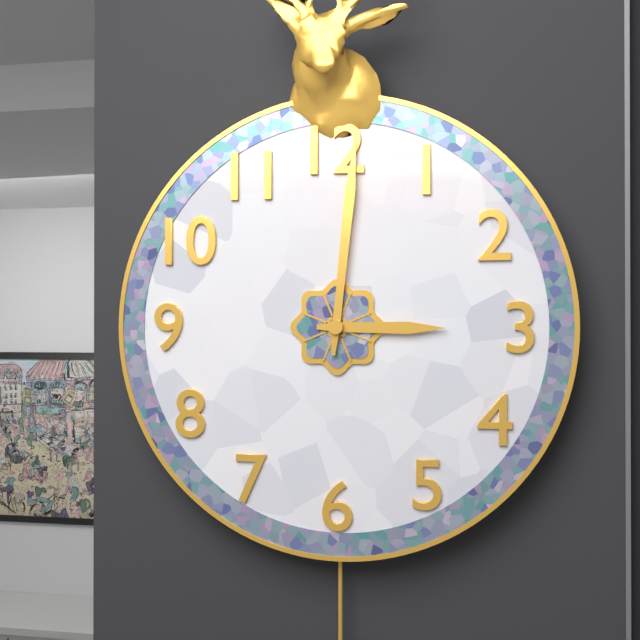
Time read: **3:01**
